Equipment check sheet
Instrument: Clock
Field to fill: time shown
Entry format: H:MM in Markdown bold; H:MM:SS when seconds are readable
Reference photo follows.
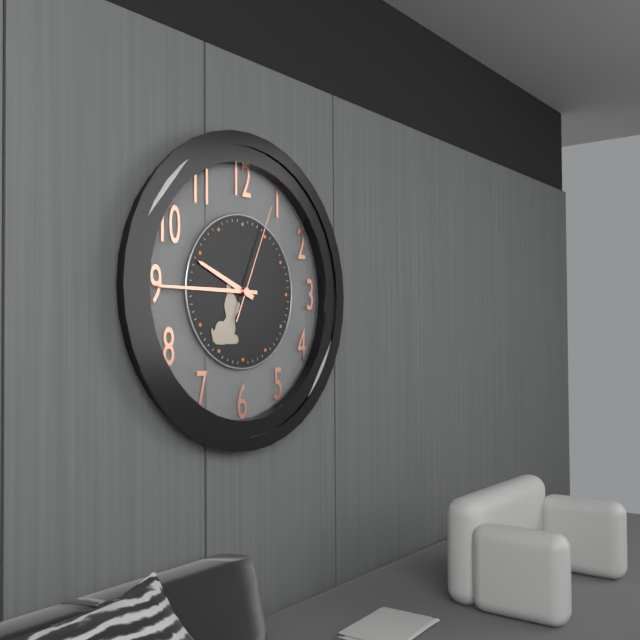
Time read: **9:45:04**
